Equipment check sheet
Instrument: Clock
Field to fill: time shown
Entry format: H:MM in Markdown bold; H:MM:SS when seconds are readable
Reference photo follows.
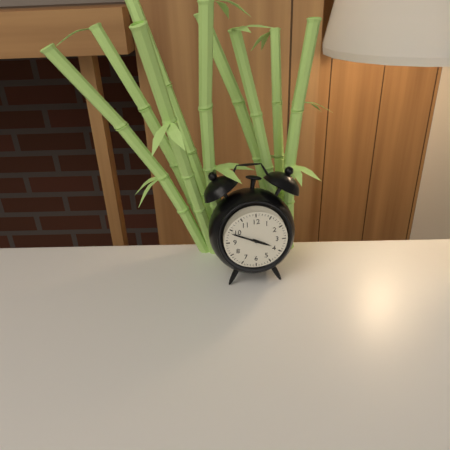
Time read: **3:49**
